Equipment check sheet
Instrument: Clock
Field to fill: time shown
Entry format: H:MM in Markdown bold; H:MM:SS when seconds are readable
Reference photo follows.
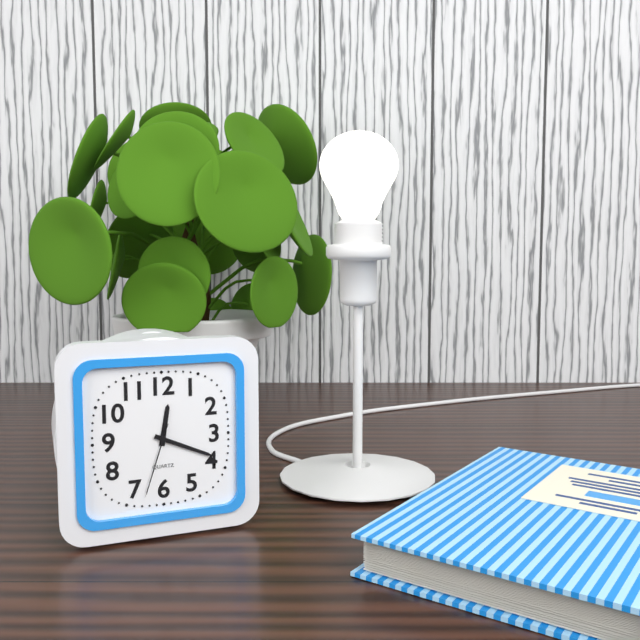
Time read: **12:19:33**
